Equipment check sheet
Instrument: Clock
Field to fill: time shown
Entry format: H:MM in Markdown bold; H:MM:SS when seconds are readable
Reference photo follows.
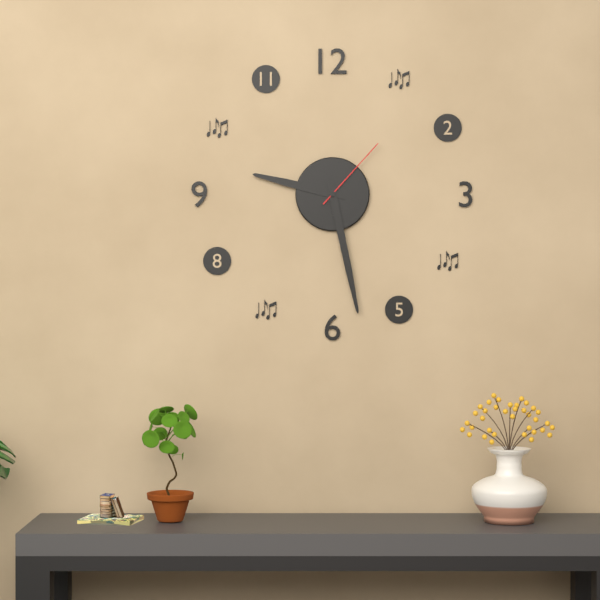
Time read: **9:28:07**
